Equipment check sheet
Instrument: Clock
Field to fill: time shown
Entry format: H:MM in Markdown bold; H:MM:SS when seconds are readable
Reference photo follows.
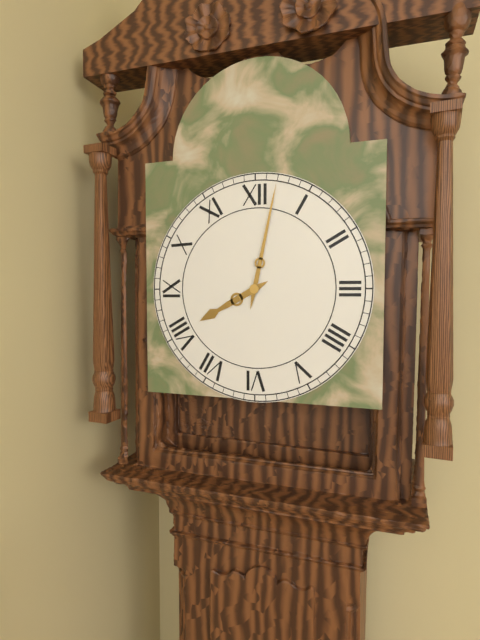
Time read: **8:02**
